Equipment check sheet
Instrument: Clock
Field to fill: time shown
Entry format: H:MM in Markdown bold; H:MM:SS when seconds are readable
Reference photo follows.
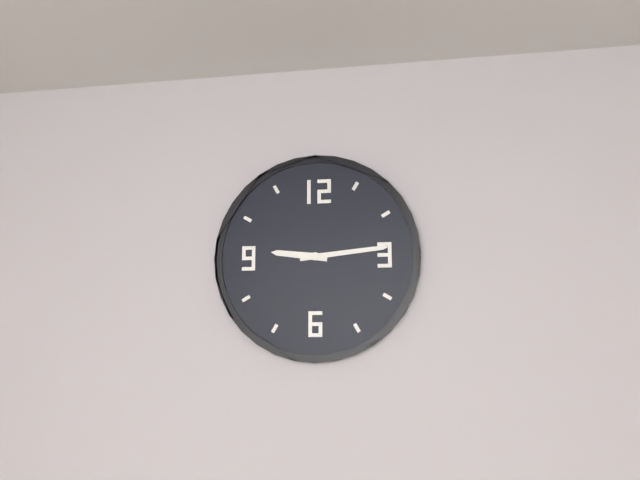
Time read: **9:14**
